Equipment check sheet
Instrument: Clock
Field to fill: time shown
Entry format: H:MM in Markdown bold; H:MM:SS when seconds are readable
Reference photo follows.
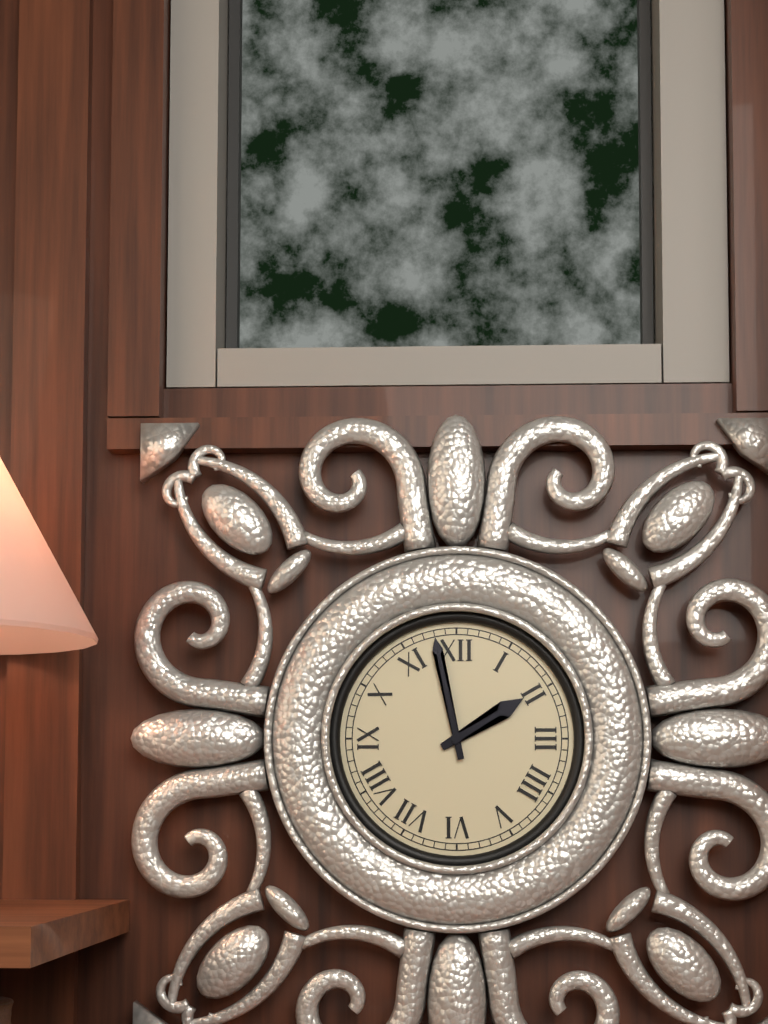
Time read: **1:58**
